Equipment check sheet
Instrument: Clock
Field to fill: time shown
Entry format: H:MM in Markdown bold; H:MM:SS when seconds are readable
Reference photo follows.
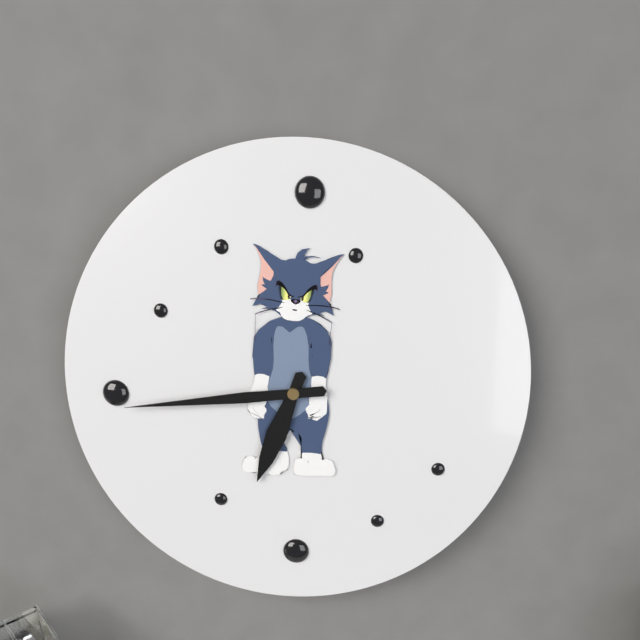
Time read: **6:44**
